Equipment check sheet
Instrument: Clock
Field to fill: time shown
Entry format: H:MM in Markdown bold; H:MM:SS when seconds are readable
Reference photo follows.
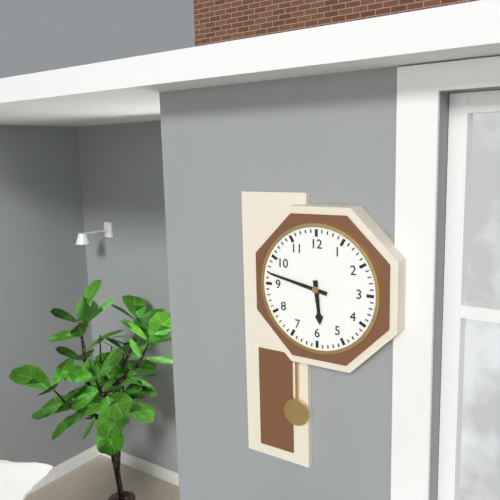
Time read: **5:47**
